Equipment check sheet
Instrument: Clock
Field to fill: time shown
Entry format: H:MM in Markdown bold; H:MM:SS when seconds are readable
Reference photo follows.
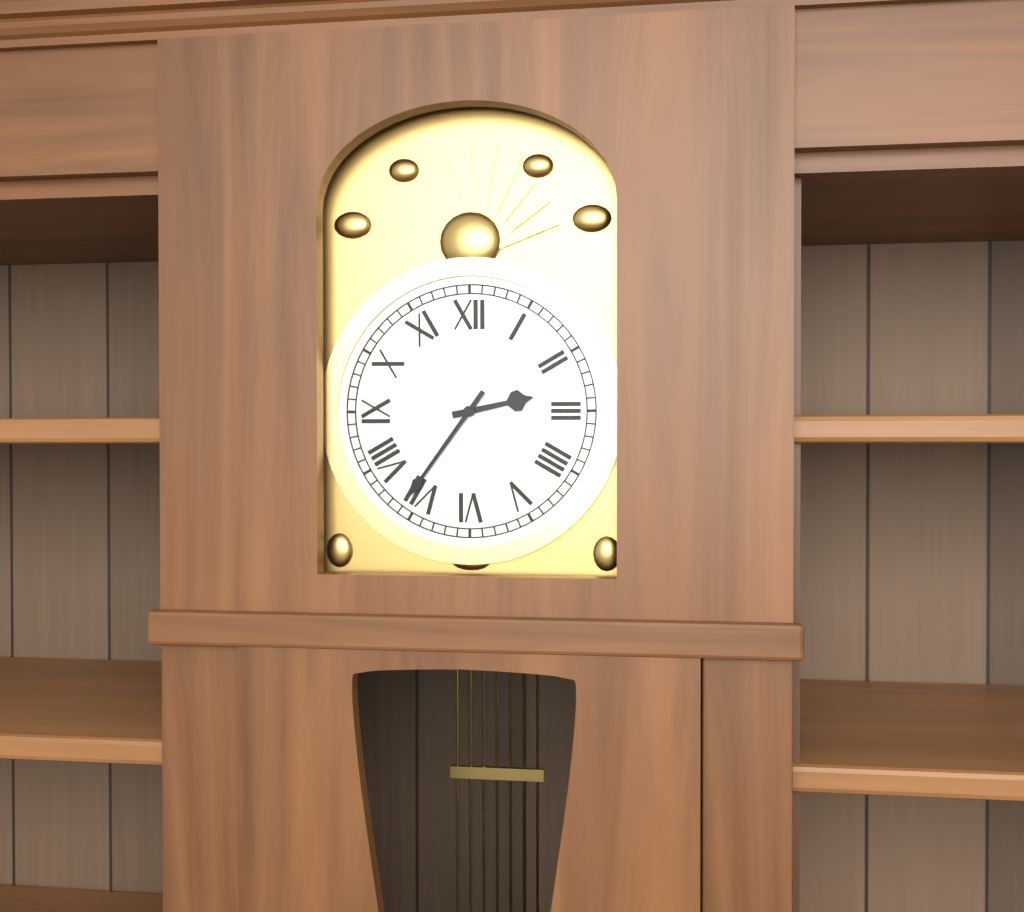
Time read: **2:36**
